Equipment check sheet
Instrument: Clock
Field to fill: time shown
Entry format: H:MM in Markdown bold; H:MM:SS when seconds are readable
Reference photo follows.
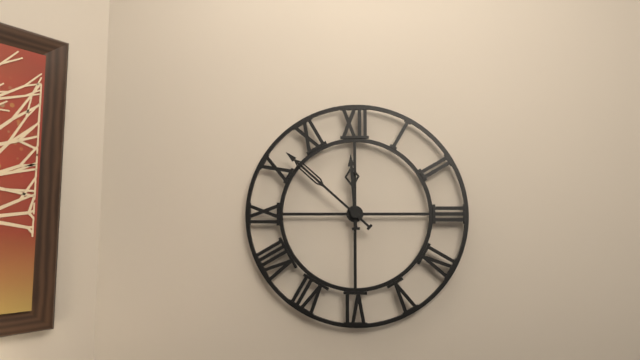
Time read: **11:52**
